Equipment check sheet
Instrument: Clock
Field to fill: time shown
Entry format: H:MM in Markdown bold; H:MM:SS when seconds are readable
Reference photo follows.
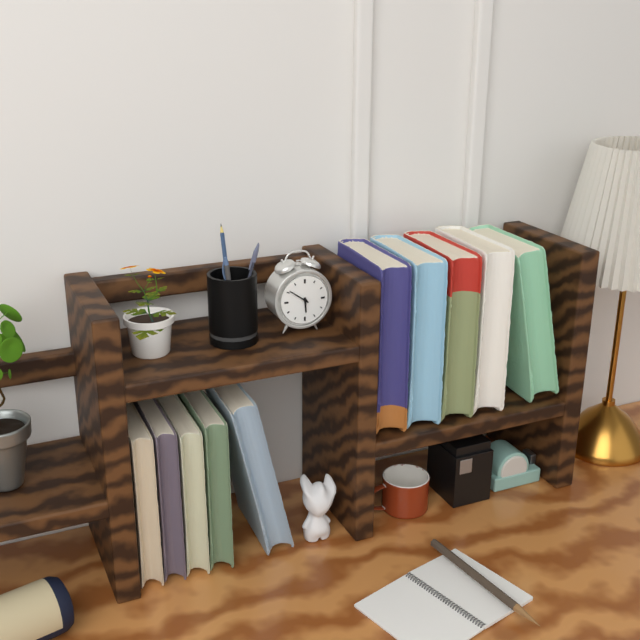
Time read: **5:51**
